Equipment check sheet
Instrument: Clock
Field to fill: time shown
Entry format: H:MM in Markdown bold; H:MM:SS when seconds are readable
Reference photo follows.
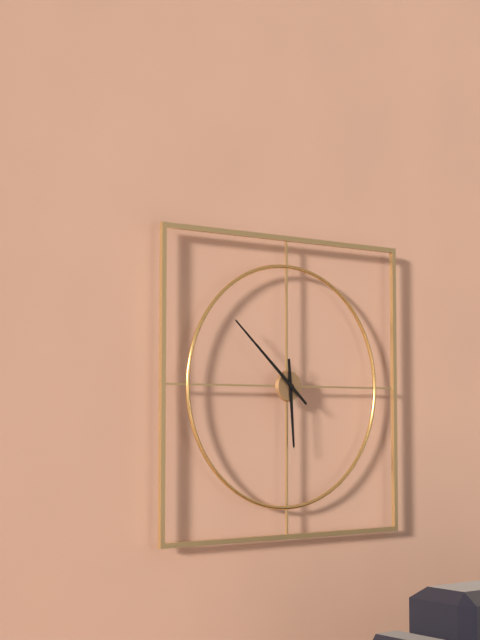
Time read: **5:52**
